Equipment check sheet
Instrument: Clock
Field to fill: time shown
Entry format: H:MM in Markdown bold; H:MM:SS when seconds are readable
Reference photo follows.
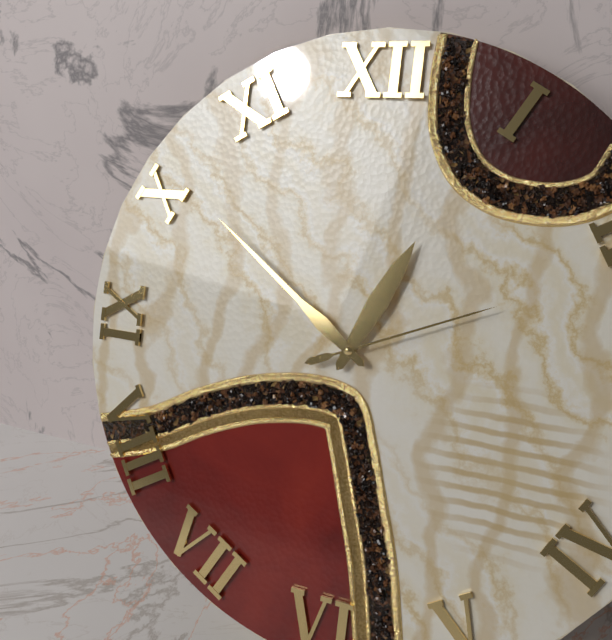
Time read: **12:51:11**
